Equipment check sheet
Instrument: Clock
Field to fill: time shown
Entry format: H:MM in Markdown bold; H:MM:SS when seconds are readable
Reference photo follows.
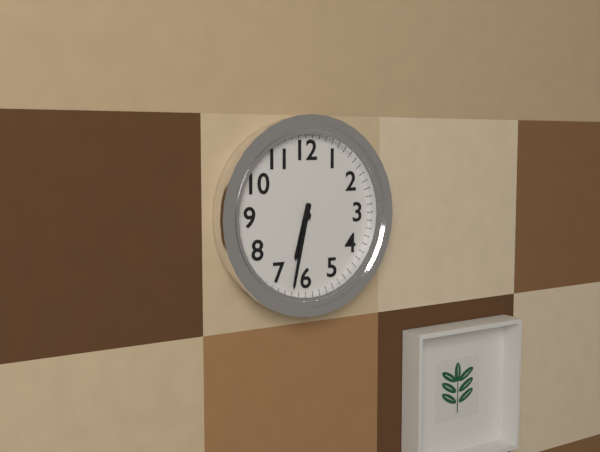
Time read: **6:32**
